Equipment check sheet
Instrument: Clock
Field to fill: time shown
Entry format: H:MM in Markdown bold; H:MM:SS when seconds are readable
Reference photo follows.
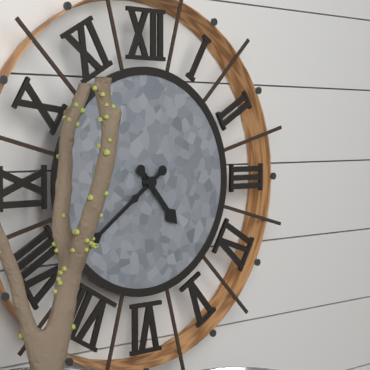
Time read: **4:39**
